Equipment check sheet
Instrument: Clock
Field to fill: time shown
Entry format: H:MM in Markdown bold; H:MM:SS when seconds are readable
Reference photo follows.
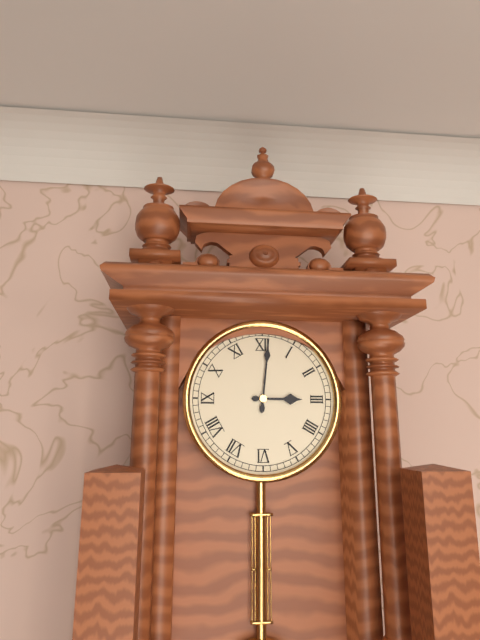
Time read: **3:01**
